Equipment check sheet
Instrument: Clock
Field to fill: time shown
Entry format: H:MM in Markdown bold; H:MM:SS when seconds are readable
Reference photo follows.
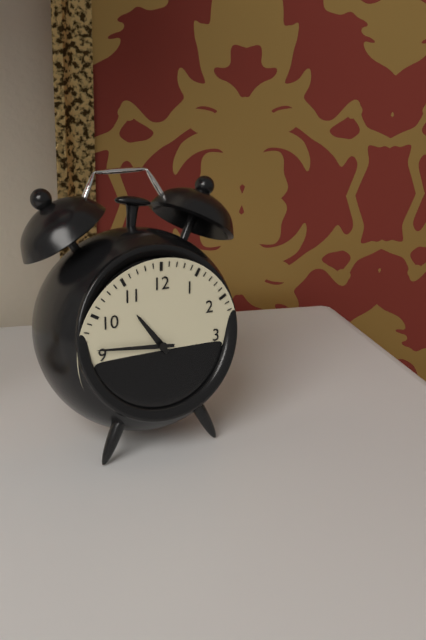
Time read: **10:46**
